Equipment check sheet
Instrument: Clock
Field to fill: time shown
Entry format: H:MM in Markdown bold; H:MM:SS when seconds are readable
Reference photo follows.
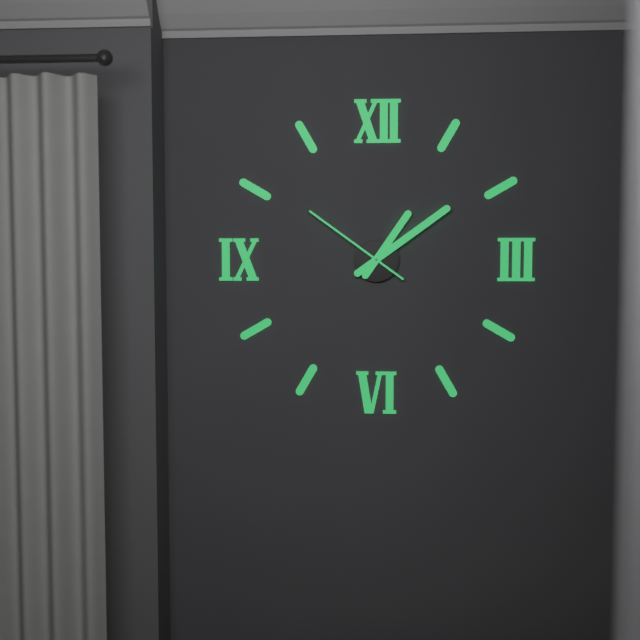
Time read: **1:09:51**
